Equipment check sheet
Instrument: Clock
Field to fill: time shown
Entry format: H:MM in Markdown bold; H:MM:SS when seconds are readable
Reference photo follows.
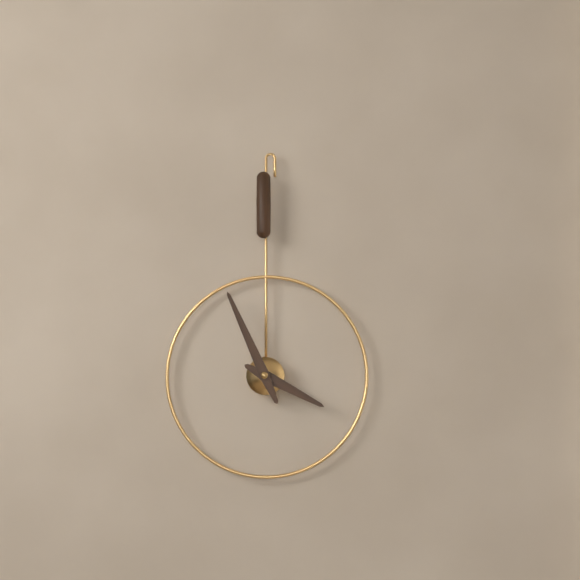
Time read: **3:56**
